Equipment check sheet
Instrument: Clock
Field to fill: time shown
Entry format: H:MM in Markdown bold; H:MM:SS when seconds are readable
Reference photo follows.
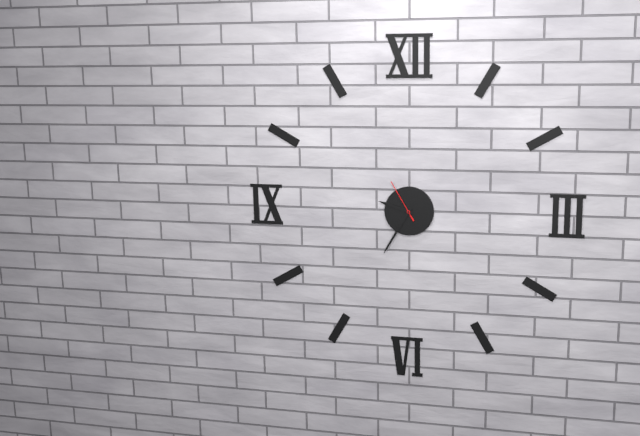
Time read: **9:35**
